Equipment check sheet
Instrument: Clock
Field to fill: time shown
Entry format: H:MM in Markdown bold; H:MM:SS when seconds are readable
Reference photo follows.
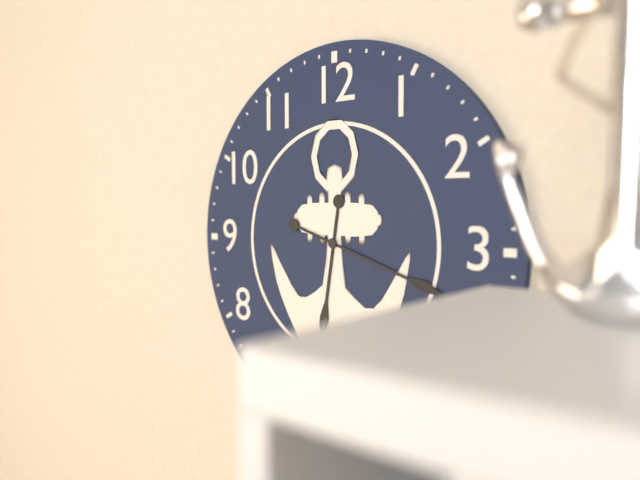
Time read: **6:18**
